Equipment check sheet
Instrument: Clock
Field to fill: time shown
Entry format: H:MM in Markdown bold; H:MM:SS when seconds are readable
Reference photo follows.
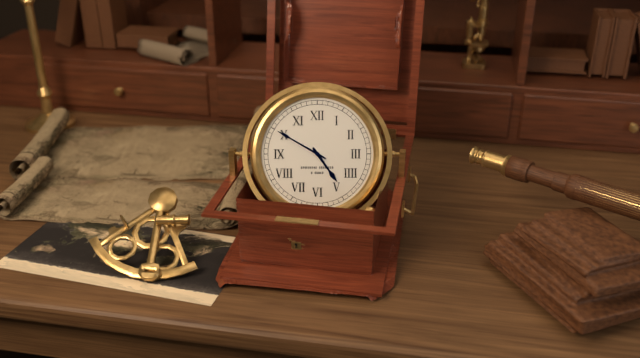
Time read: **4:50**
